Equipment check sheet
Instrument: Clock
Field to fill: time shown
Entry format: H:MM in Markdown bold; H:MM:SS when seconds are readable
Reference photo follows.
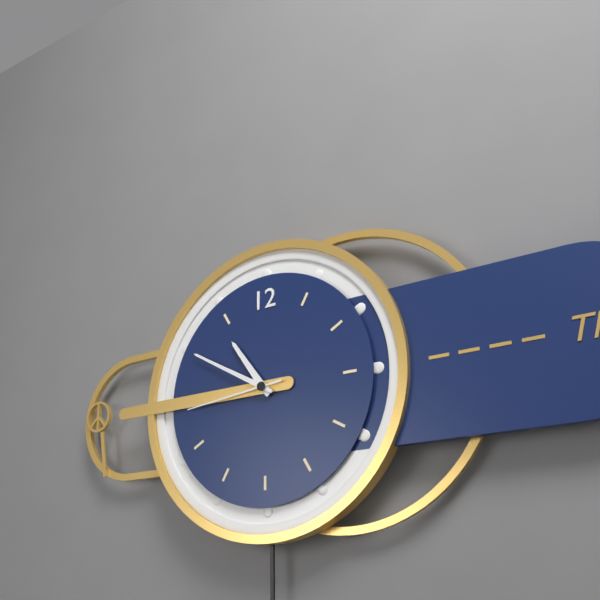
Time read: **10:50:44**
